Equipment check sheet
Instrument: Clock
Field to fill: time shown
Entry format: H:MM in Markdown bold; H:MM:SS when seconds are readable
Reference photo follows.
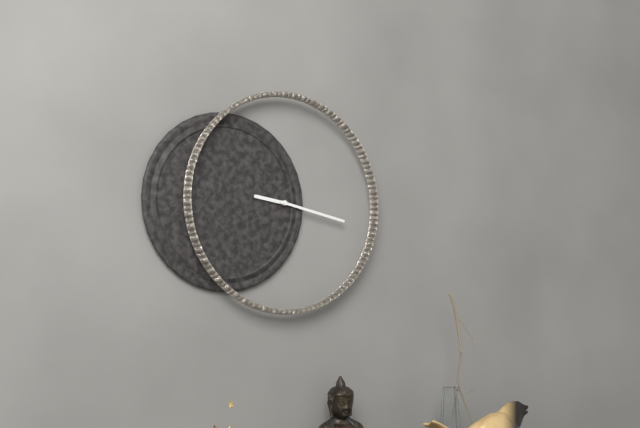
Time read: **9:17**
